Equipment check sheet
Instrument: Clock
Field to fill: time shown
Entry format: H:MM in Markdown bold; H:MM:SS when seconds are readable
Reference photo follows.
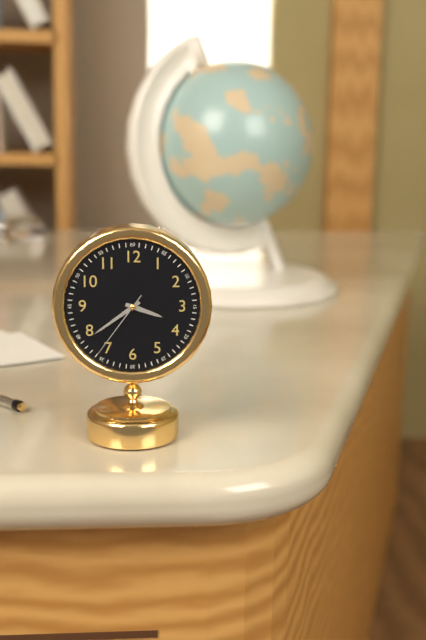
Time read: **3:39:36**
